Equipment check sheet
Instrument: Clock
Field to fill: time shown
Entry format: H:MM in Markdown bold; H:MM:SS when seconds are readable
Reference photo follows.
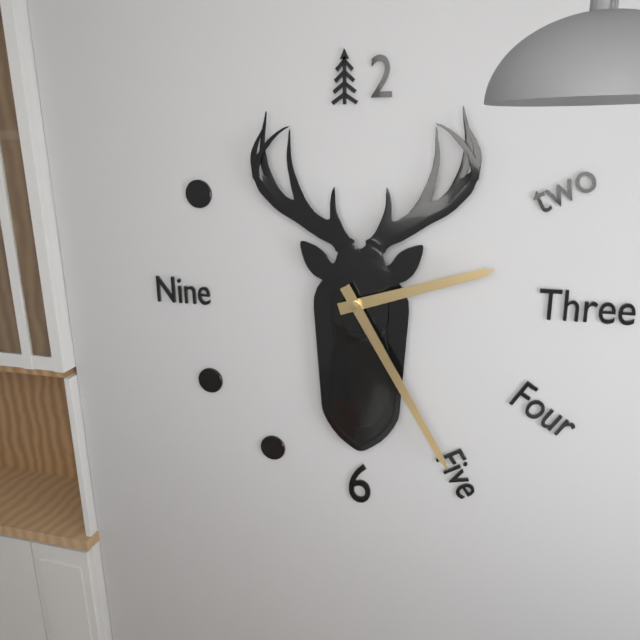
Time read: **2:25**
